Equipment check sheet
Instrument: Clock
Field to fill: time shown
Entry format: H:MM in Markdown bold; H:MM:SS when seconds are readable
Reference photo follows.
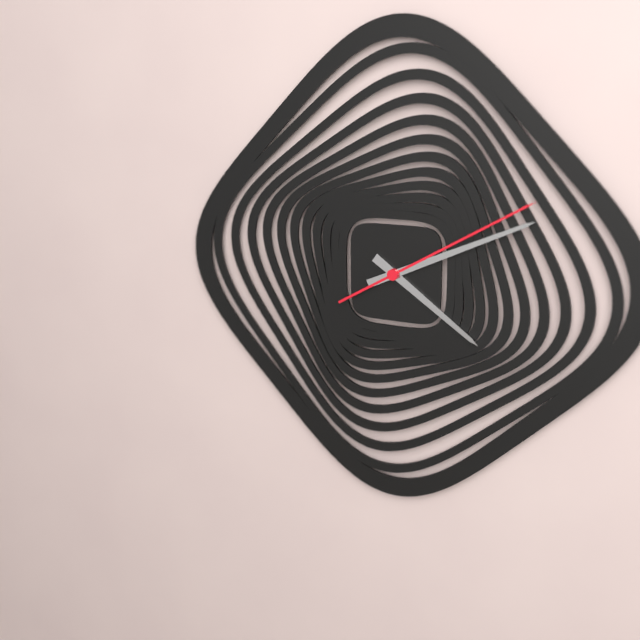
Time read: **4:11:10**
